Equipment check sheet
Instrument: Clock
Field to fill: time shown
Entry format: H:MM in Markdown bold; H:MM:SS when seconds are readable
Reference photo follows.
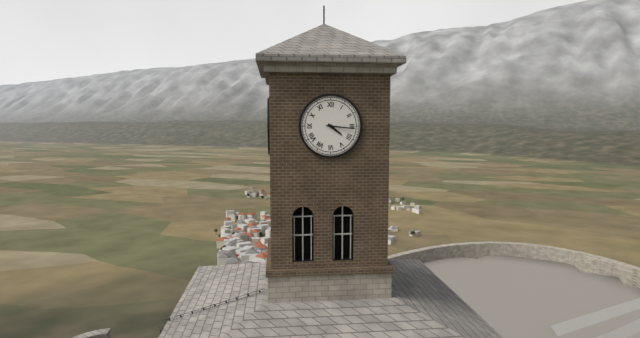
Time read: **4:16**
